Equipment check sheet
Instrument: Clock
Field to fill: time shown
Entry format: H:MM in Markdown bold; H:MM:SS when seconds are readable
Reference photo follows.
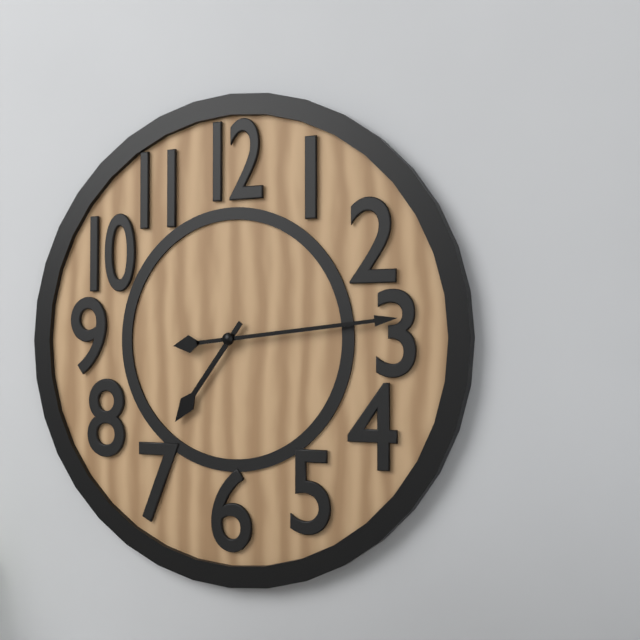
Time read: **7:14**
